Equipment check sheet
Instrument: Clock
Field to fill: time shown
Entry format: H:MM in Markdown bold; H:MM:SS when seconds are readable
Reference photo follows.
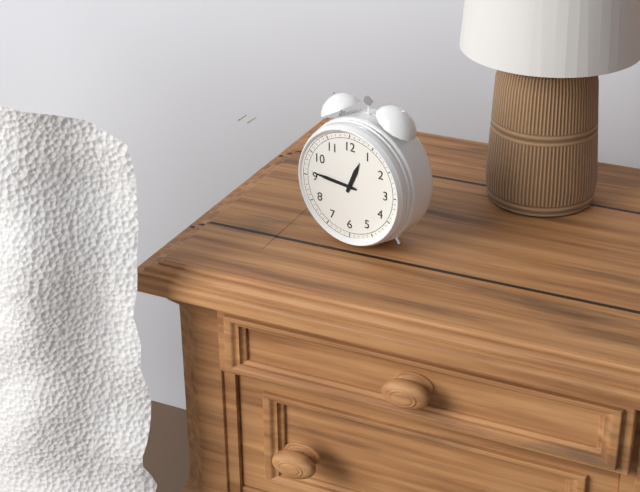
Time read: **12:46**
